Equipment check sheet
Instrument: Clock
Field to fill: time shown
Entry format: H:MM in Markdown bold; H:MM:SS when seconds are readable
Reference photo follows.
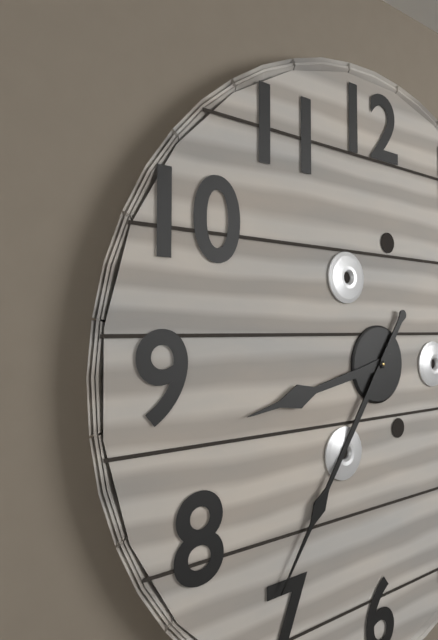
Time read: **8:36**
